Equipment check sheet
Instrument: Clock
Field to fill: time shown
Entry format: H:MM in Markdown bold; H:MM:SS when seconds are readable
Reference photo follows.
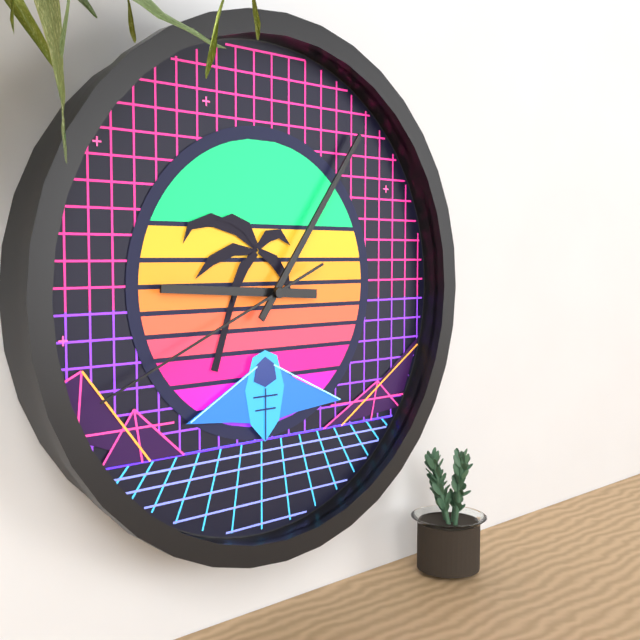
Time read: **9:06:41**
